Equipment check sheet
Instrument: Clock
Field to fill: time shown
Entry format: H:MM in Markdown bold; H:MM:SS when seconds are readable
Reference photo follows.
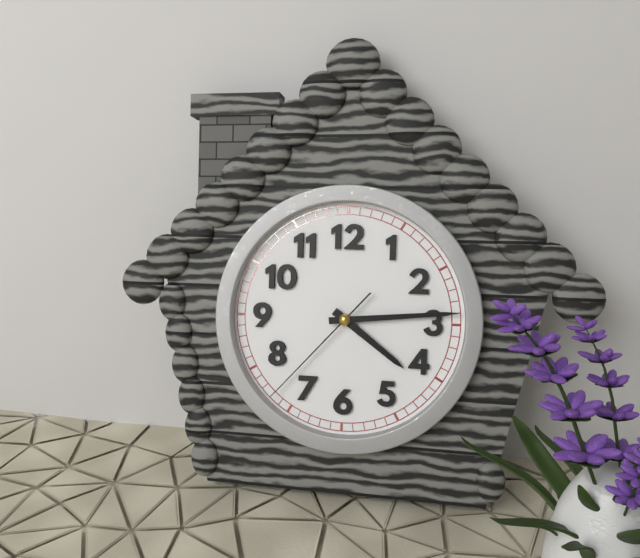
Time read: **4:14:37**
